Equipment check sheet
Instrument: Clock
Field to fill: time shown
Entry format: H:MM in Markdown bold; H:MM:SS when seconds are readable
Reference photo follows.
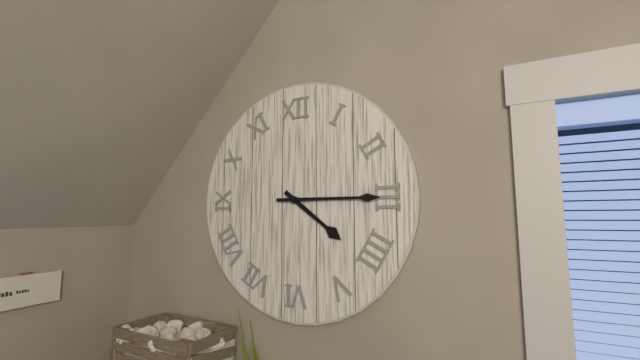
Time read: **4:15**
